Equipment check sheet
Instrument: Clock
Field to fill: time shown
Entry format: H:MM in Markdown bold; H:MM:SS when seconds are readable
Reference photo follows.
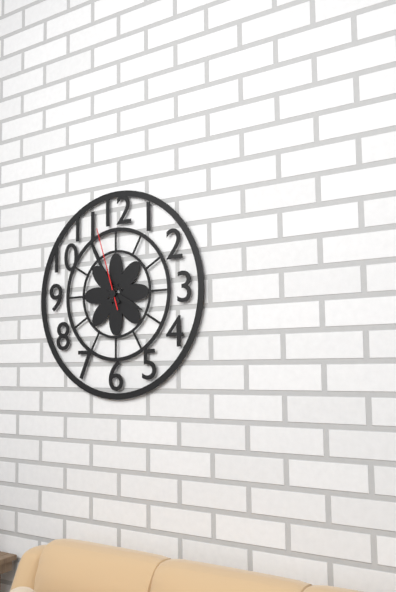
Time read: **3:55:57**
